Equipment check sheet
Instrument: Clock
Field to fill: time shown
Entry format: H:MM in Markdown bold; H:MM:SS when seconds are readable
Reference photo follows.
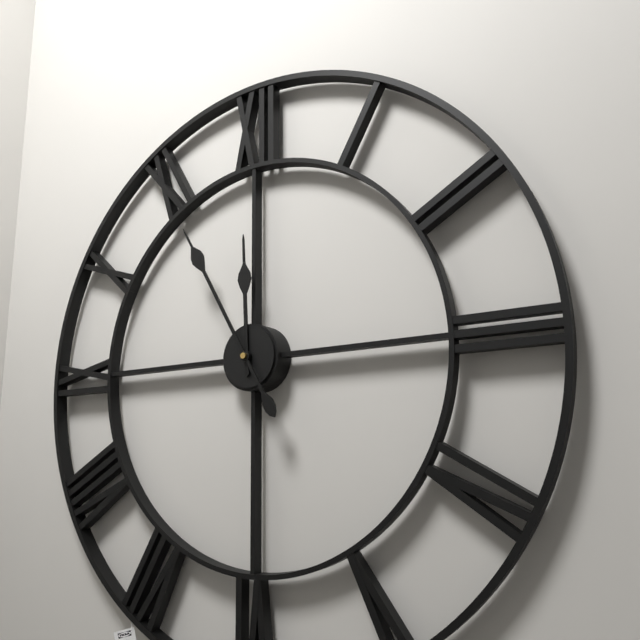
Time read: **11:55**
